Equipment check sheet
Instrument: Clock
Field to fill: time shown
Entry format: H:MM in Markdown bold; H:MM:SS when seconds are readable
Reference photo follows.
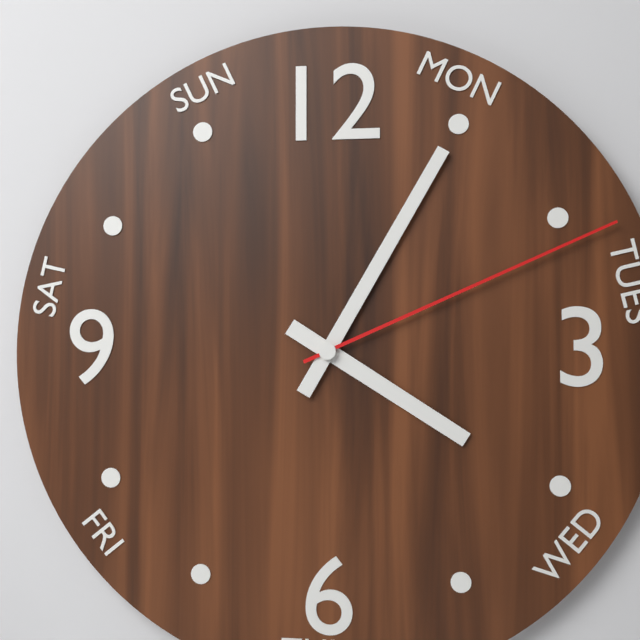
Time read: **4:05:11**
